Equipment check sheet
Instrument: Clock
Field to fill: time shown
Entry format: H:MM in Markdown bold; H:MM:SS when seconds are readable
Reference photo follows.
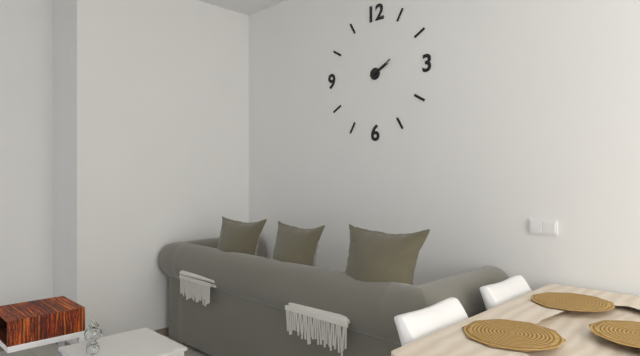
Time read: **2:10**
